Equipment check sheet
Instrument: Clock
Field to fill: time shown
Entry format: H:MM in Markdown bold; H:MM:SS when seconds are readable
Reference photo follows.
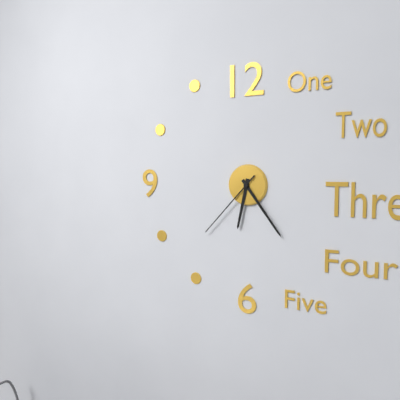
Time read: **6:24:37**
